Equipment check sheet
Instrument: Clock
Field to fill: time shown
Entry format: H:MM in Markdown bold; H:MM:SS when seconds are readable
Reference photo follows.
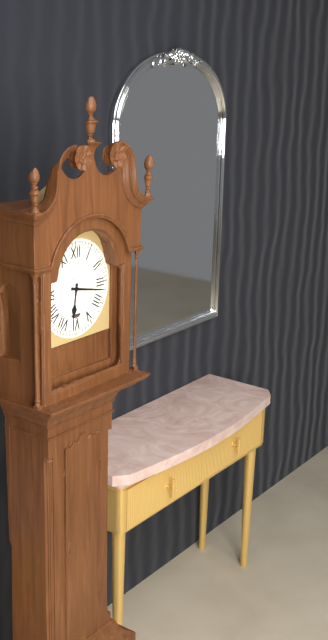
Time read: **6:17**
